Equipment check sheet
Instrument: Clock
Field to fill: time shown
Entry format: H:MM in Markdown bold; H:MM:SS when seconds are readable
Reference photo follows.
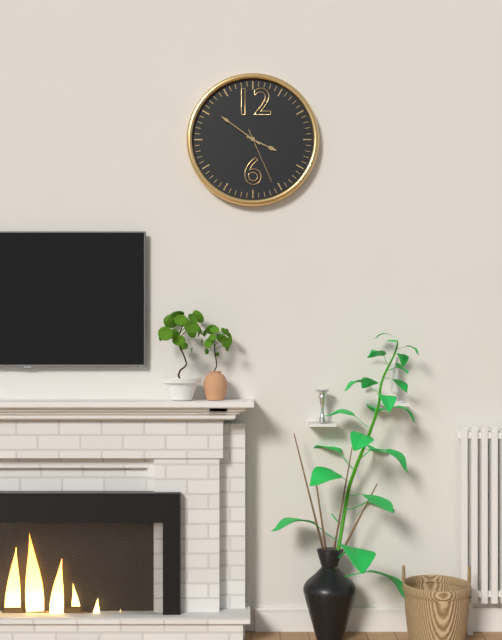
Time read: **3:51:26**
